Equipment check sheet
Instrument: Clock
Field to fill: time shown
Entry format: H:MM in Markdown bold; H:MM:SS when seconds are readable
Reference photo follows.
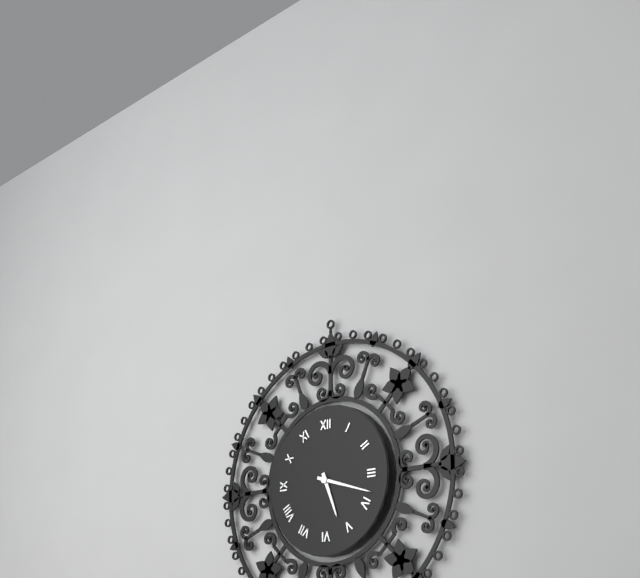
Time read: **5:18**
